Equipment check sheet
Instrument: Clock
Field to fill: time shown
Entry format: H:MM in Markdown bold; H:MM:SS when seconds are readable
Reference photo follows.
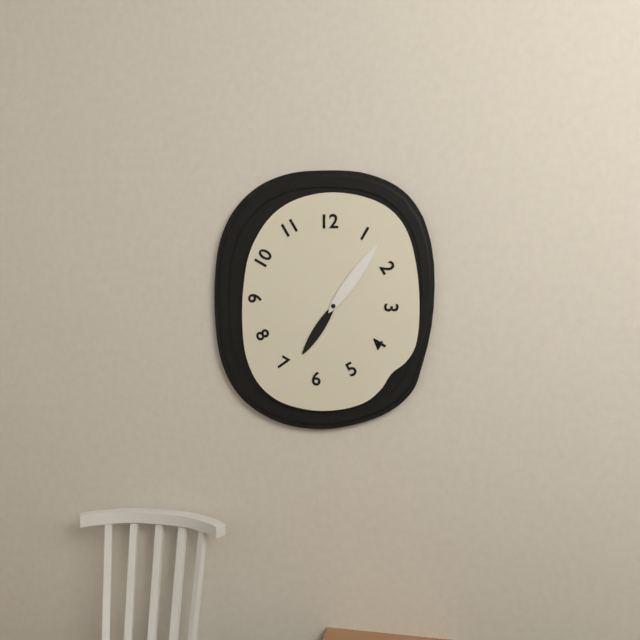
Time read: **7:06**
